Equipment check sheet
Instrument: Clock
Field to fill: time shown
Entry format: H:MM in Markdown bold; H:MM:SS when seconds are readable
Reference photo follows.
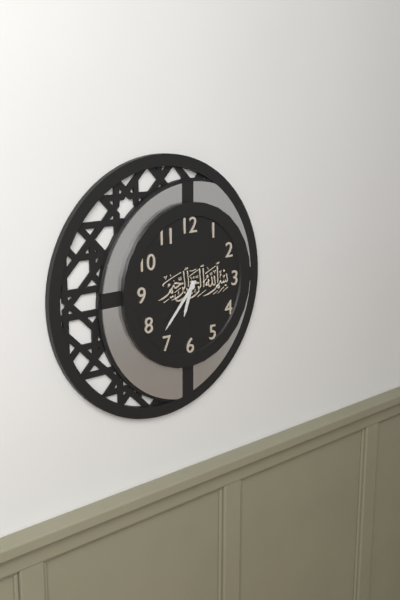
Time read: **6:37**
